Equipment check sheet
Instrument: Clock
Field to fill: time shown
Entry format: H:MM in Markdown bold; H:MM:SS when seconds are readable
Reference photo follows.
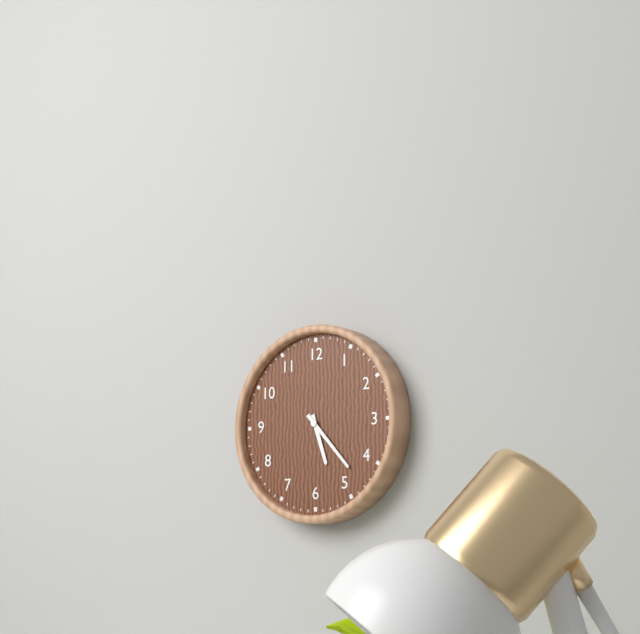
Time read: **5:23**
